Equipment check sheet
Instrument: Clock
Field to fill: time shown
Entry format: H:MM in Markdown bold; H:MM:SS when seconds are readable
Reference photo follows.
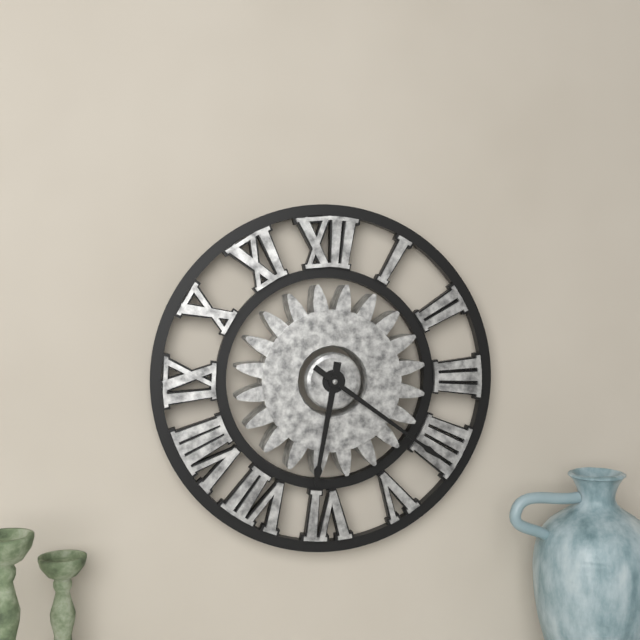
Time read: **6:21**
